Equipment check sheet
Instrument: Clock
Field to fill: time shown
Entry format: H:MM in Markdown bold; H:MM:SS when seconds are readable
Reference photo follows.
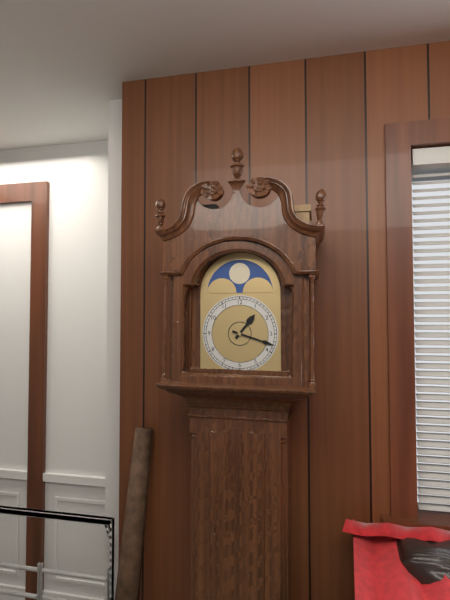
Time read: **1:18**
